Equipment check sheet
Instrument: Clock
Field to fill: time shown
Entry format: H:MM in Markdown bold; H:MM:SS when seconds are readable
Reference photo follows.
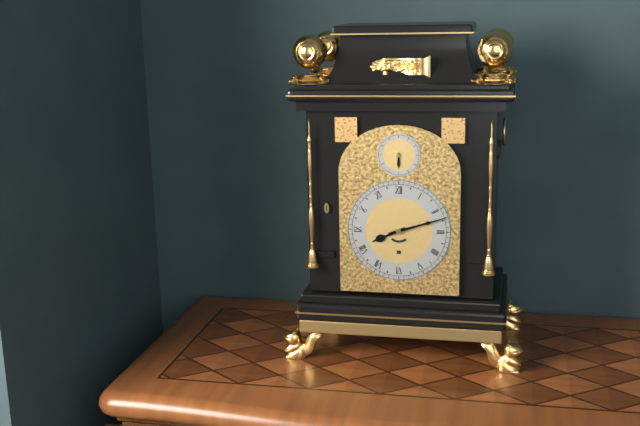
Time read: **8:12**
